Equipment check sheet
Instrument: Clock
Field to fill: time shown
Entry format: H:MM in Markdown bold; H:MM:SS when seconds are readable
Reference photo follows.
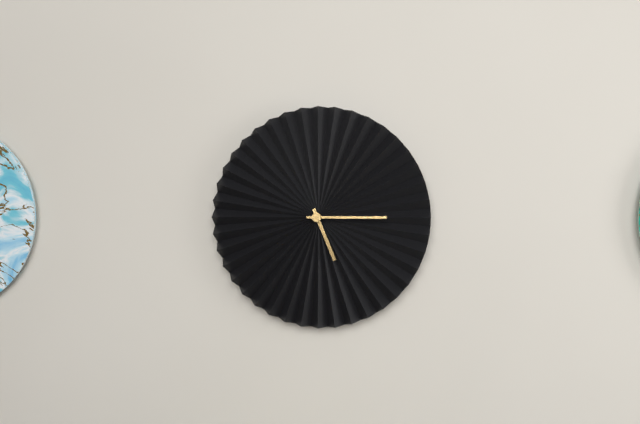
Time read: **5:15**
